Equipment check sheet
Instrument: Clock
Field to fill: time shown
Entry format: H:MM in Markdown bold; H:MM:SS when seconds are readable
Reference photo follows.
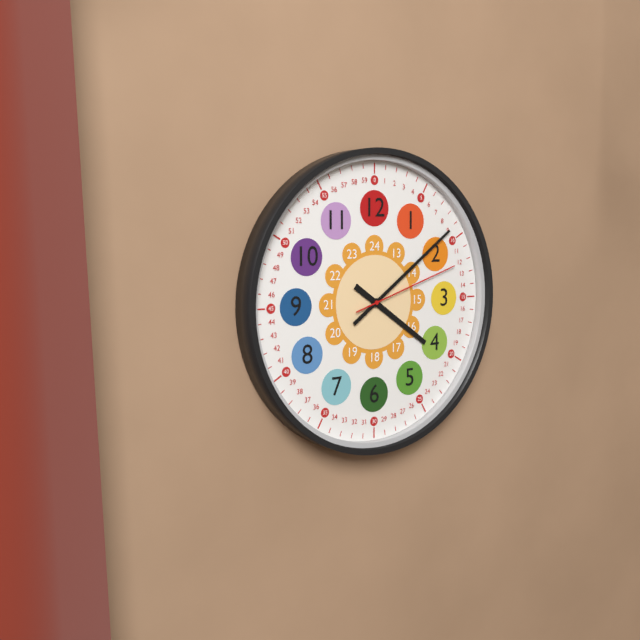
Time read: **4:09:12**
